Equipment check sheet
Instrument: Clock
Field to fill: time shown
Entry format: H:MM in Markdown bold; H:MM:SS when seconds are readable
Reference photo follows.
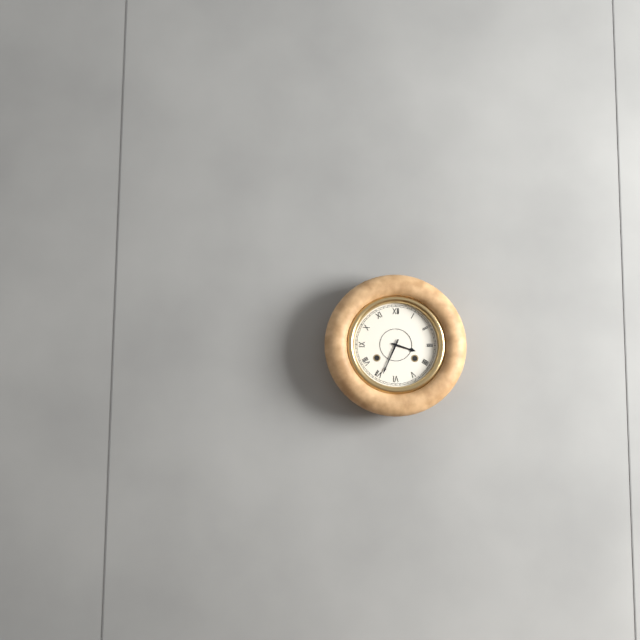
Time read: **3:34**
